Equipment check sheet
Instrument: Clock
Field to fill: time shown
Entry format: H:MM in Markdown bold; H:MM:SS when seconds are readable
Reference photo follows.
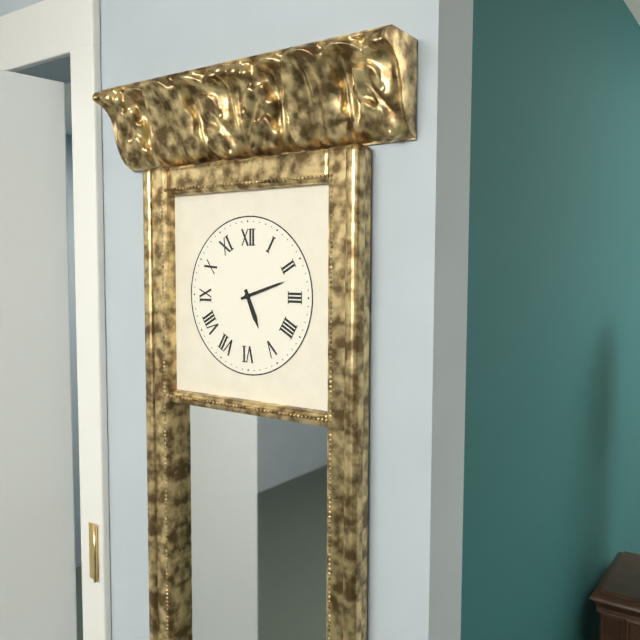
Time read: **5:12**
